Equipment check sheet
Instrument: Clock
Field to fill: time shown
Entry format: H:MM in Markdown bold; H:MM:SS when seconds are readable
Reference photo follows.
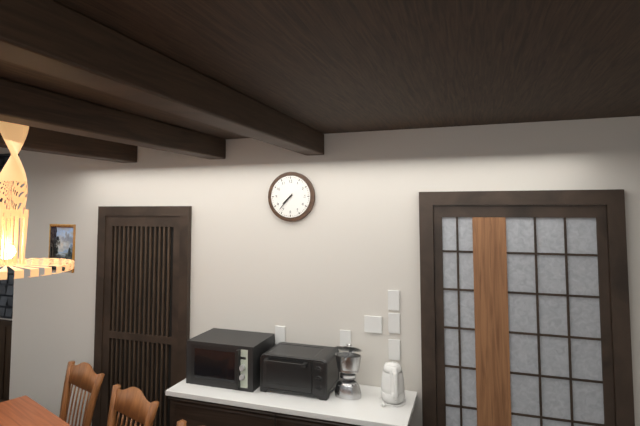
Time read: **7:37**
